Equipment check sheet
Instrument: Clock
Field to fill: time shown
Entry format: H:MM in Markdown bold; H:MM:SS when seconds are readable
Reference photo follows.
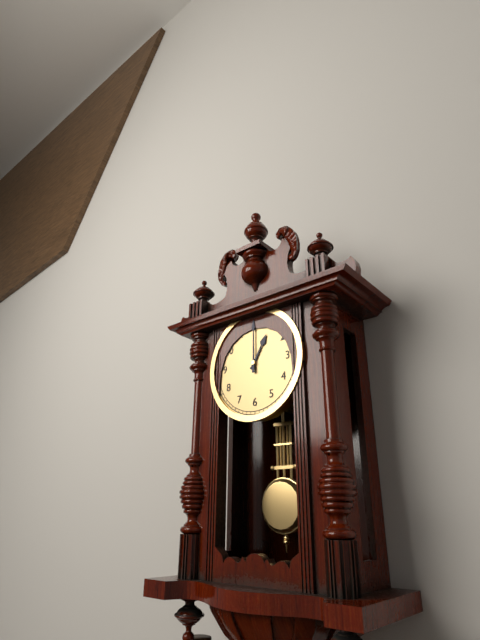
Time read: **1:00**
